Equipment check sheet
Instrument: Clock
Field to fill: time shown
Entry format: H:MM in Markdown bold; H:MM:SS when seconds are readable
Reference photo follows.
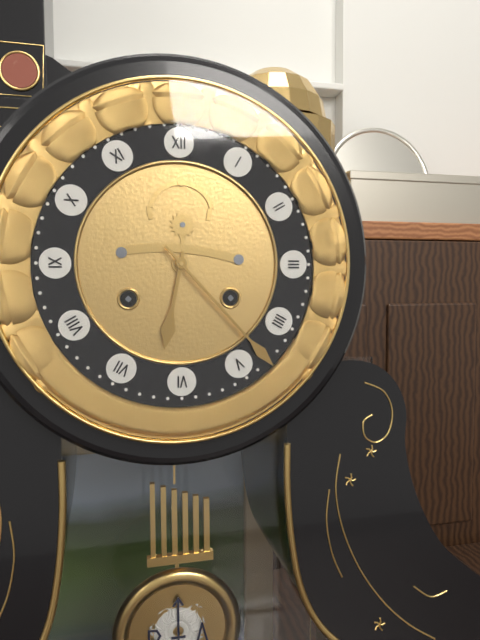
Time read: **6:23**
